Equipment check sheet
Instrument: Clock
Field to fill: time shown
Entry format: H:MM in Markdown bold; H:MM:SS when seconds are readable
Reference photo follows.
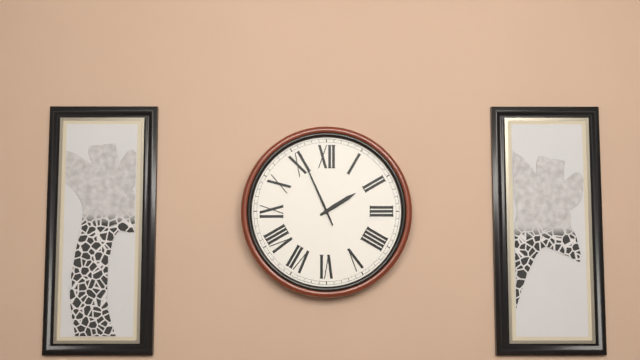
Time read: **1:56:56**
